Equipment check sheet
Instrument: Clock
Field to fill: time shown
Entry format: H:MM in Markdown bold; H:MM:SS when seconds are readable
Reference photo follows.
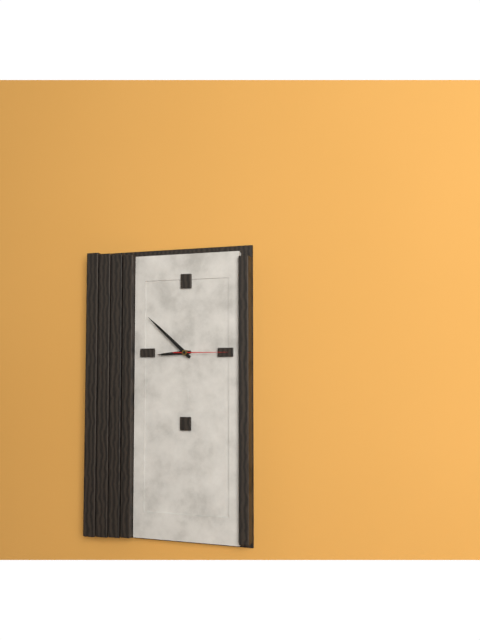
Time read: **8:52:15**
